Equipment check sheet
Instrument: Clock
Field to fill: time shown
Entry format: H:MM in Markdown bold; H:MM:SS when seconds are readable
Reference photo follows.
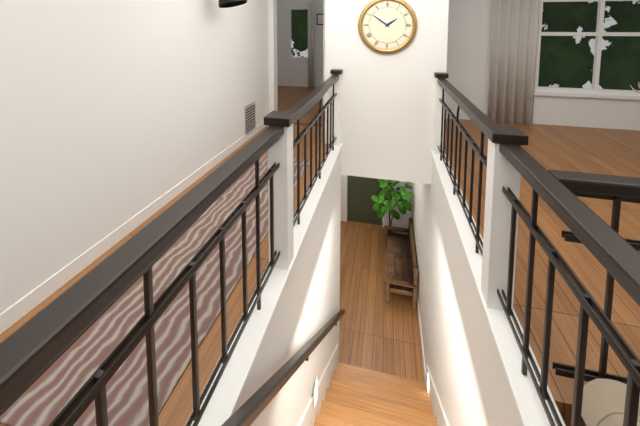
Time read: **1:51**
